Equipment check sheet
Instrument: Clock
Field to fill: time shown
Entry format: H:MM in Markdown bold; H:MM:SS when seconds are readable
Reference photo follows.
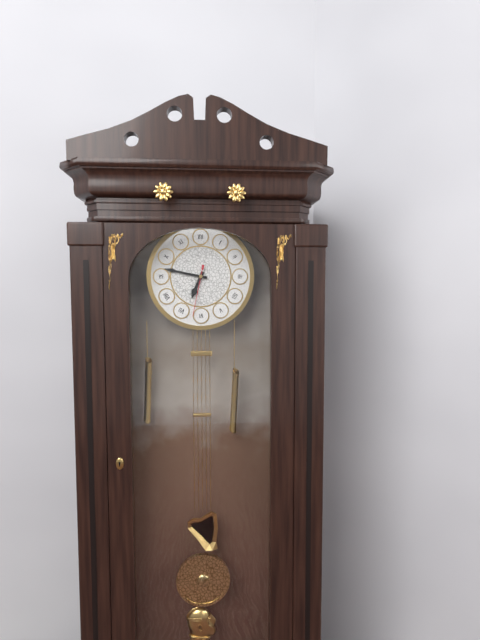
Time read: **6:47:32**
